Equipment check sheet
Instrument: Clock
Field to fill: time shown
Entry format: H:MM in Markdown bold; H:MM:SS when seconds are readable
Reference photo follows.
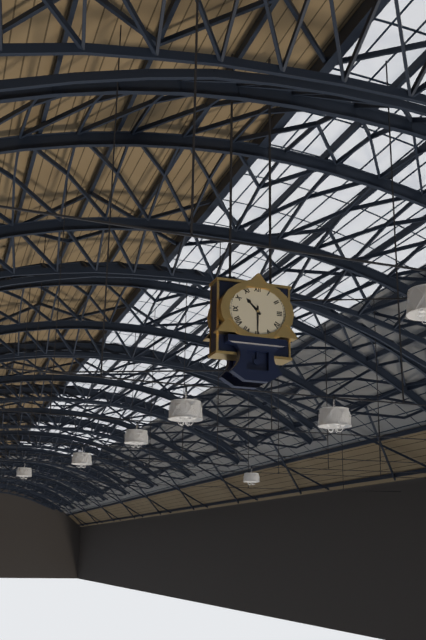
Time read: **10:30**
